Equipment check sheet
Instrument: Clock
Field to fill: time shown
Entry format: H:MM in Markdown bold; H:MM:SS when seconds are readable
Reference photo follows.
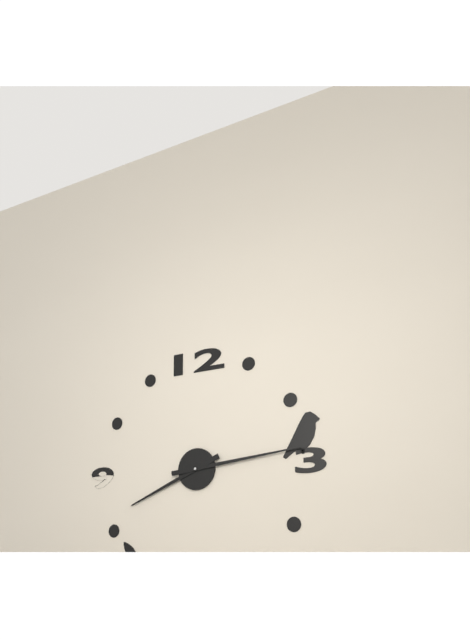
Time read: **8:14**
